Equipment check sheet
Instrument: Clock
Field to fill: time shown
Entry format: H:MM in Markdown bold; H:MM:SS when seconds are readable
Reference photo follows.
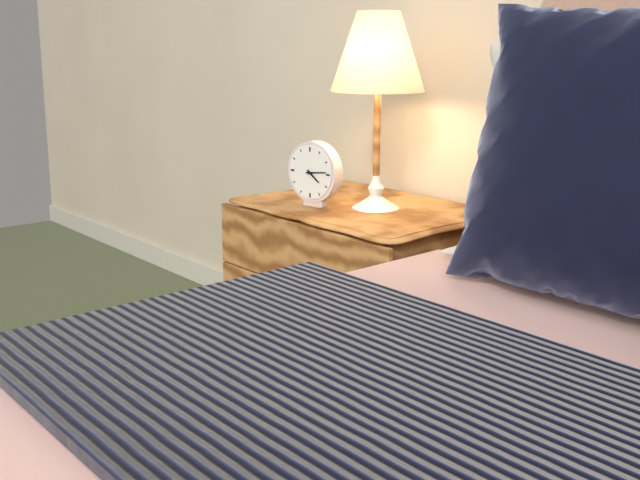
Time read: **4:14**
